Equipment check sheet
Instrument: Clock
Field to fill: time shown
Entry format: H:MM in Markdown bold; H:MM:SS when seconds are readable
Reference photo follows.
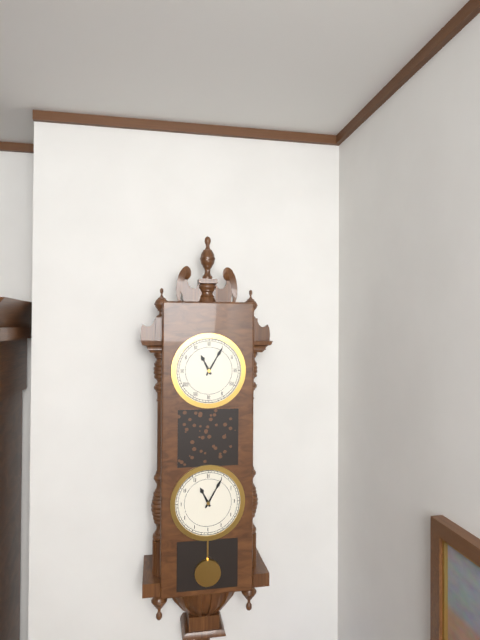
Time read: **11:05**
